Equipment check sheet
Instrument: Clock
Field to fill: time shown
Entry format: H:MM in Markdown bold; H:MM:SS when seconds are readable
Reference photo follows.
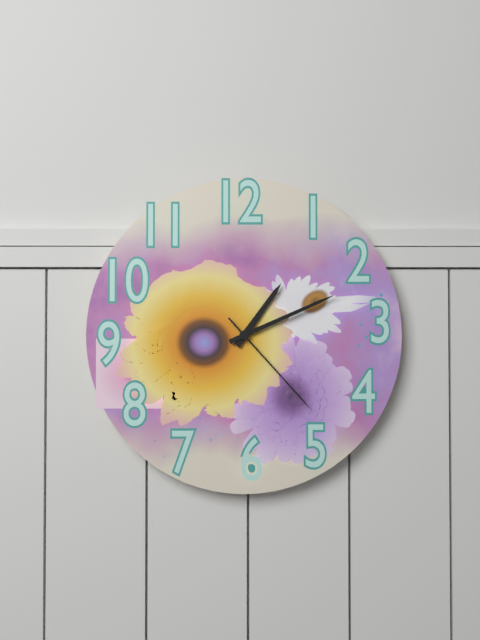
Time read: **1:11:23**
